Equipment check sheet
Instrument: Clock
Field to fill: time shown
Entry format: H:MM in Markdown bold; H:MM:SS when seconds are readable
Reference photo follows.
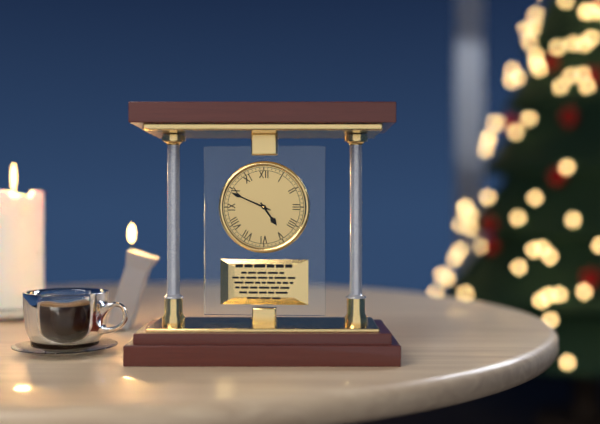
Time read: **4:49**
